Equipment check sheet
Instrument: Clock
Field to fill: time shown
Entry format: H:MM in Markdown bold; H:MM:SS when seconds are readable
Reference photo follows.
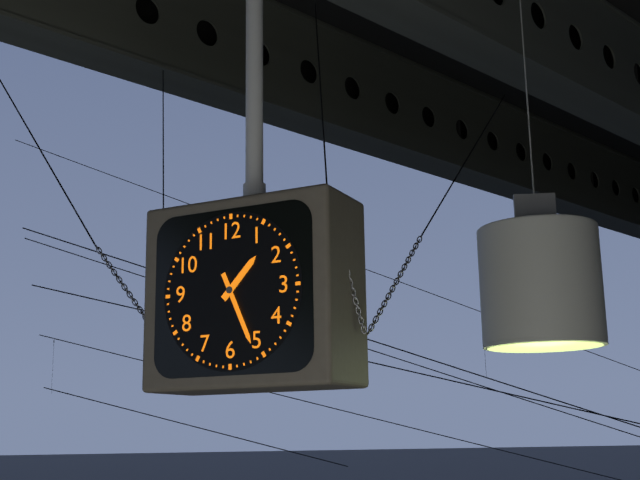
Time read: **1:26**
